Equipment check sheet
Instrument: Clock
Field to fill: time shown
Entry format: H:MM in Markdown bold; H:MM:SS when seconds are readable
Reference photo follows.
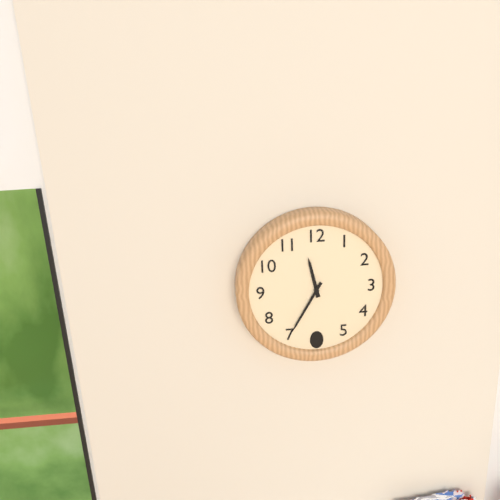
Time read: **11:35**
